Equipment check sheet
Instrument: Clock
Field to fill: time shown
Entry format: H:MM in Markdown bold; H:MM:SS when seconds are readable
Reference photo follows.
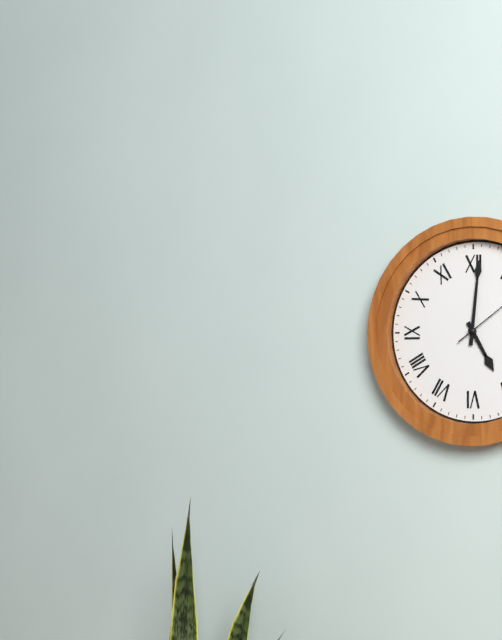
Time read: **5:01**
